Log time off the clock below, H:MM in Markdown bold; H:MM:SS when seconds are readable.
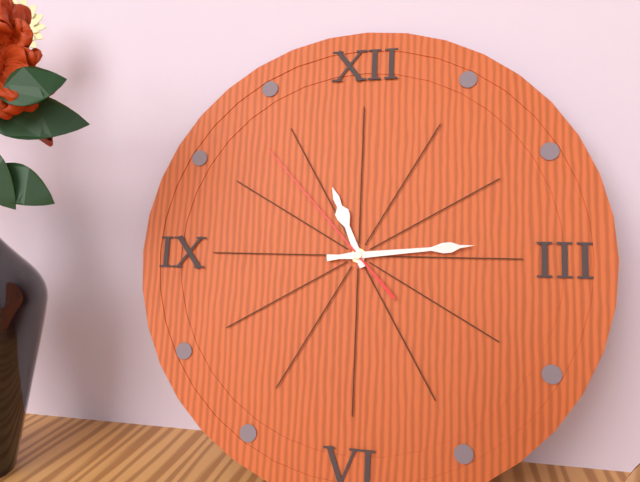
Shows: **11:14:53**
